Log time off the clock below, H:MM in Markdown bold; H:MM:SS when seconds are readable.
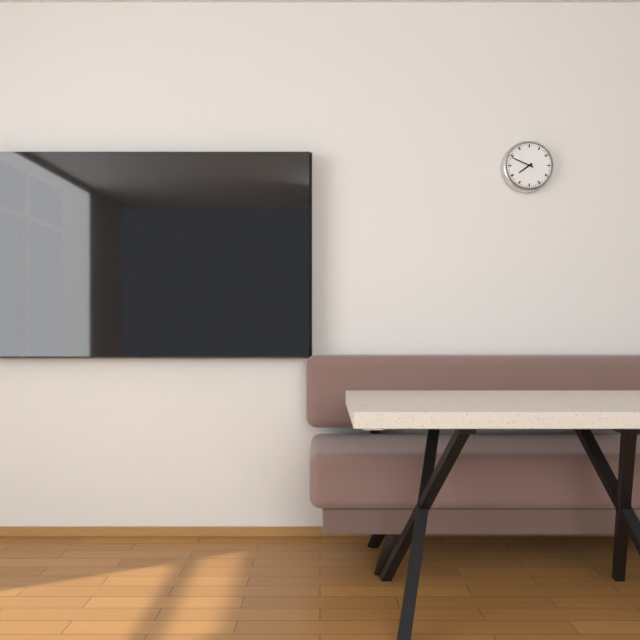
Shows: **7:49**
